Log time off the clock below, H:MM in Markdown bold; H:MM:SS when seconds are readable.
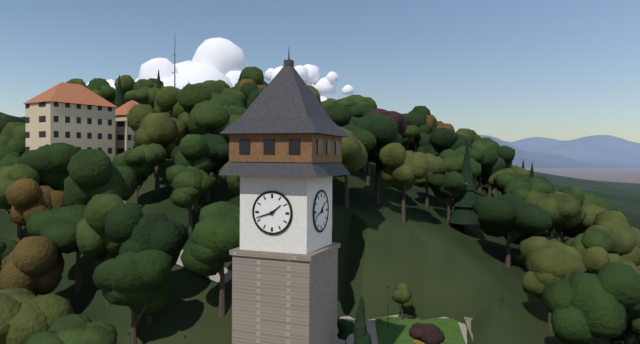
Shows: **1:42**
